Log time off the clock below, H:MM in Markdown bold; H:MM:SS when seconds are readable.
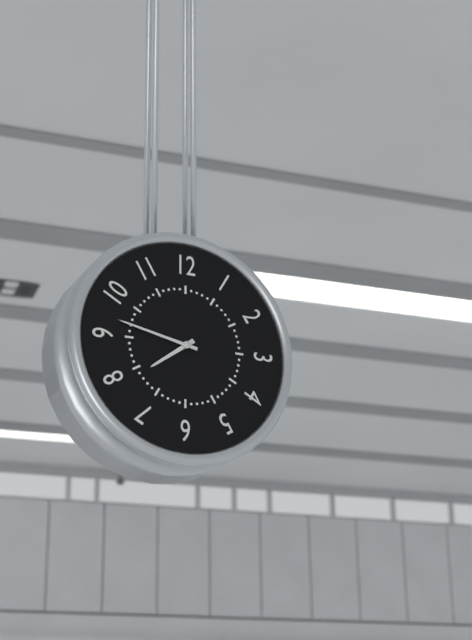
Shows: **7:47**
